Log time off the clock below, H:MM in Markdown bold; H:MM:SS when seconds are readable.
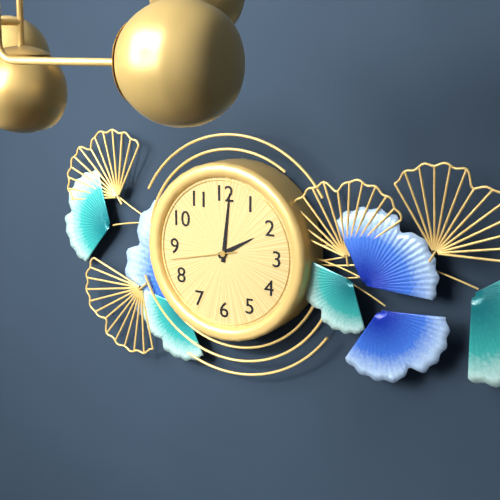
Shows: **2:01:43**
